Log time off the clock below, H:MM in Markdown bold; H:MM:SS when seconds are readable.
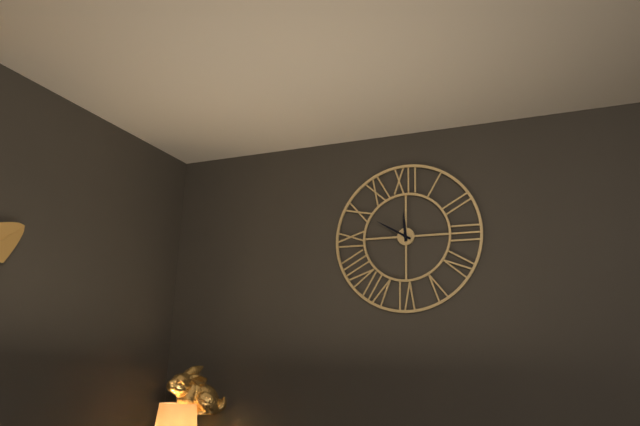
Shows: **11:50**
